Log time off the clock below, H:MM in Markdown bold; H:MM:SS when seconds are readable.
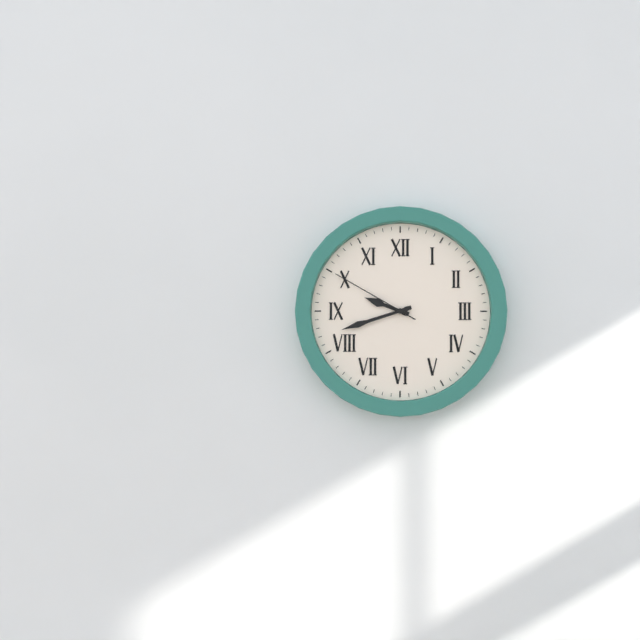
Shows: **9:42:50**
